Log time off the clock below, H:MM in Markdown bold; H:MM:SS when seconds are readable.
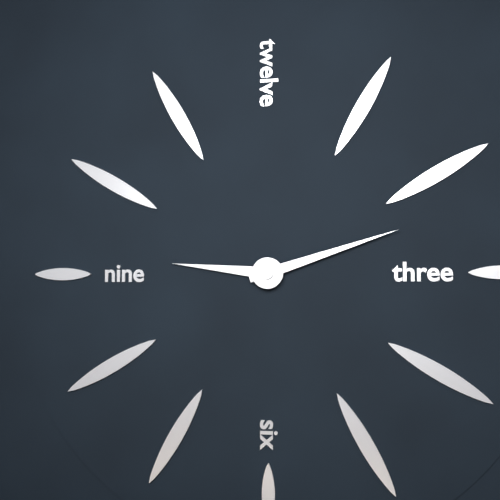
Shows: **9:12**
